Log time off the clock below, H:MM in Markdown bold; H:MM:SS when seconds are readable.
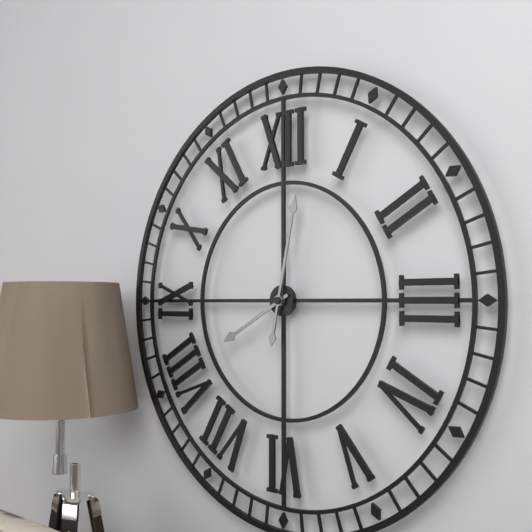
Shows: **8:02**
